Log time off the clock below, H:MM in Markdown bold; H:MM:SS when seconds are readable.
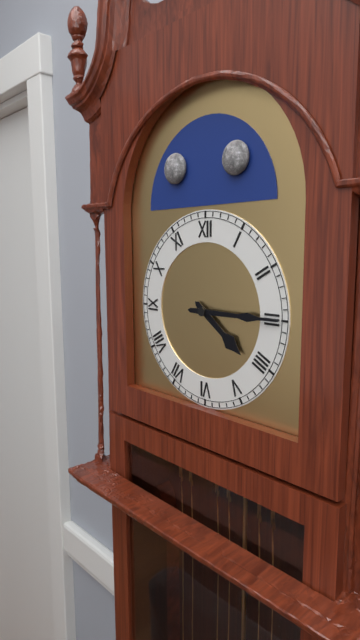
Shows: **4:15**
